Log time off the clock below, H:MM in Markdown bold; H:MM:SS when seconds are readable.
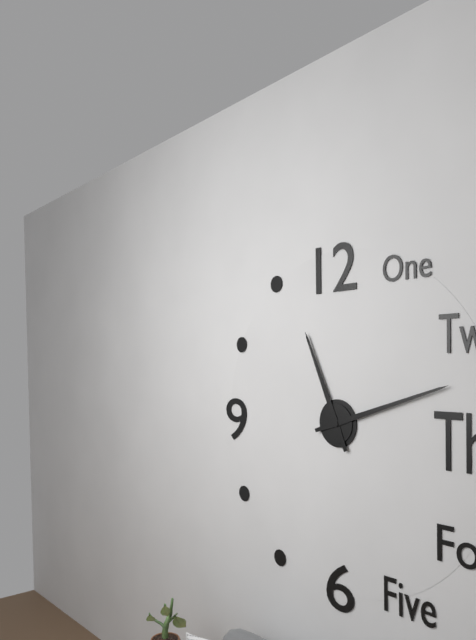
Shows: **11:12**
